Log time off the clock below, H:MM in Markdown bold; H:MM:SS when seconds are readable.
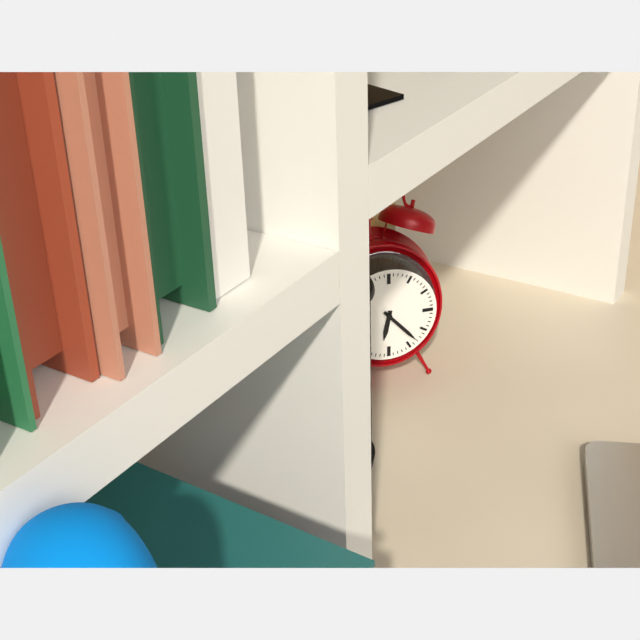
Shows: **6:23**
